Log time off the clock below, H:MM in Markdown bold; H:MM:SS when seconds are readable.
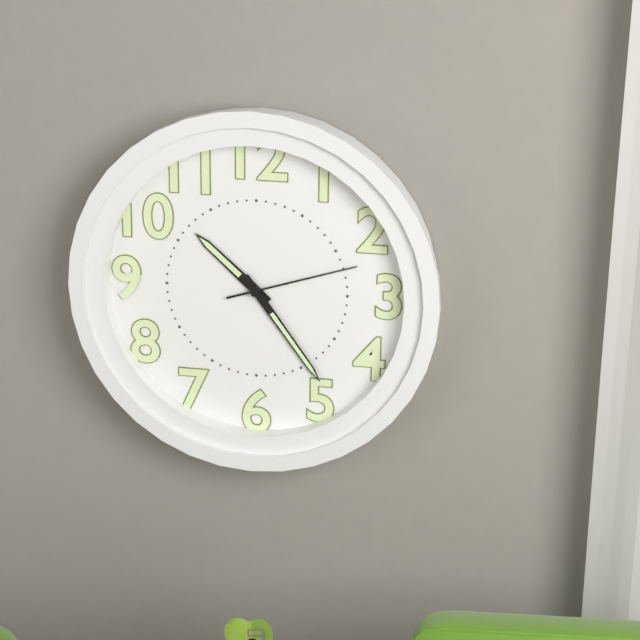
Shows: **10:24:12**
